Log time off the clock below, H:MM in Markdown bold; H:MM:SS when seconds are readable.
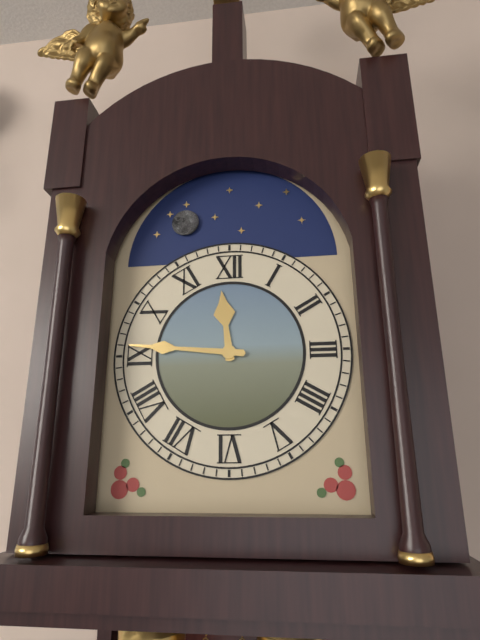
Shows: **11:46**
